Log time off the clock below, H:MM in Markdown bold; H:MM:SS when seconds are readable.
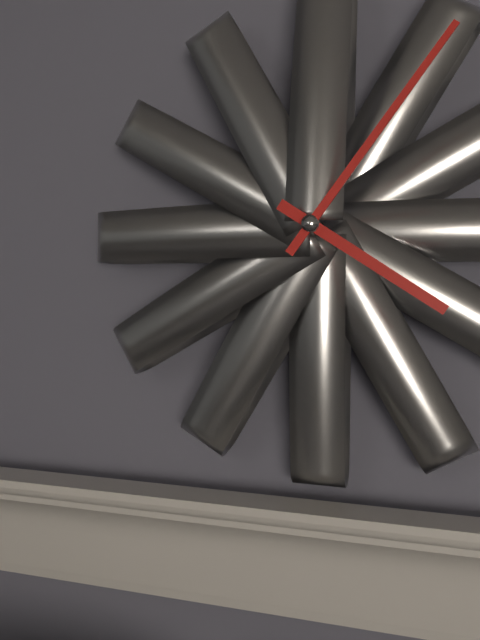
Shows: **4:06**
